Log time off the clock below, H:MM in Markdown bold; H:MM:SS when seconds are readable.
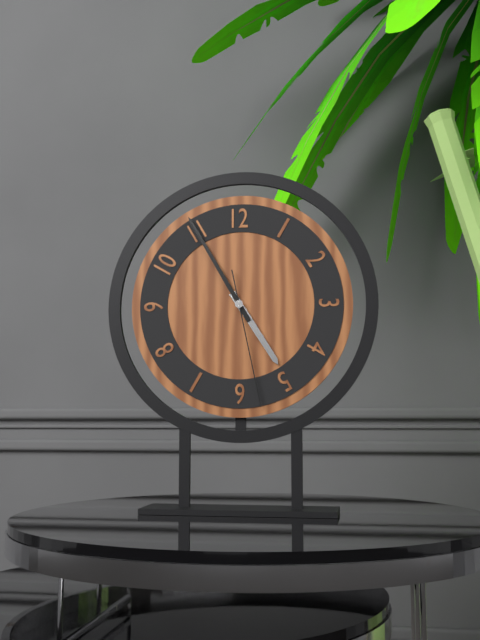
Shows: **4:55:28**
